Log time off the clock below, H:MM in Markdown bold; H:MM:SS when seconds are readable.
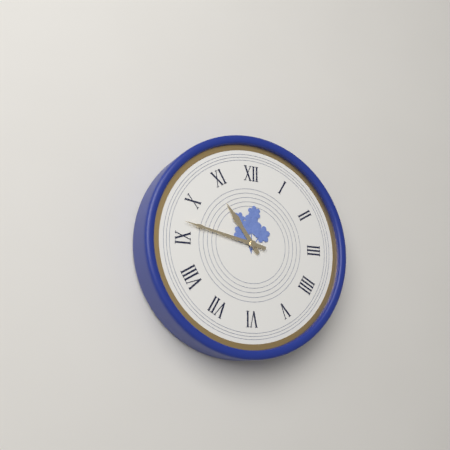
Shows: **10:47**
